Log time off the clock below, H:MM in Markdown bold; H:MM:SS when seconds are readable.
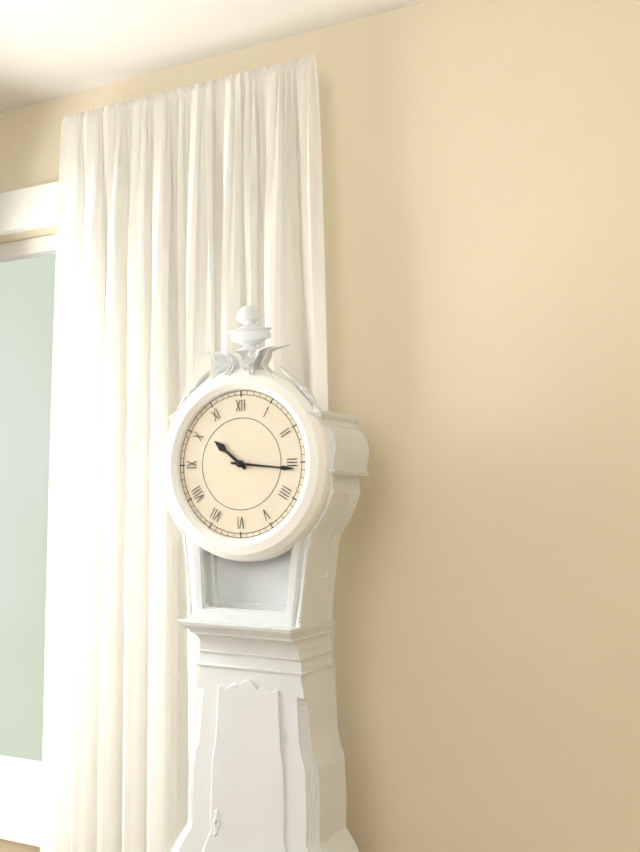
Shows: **10:16**
